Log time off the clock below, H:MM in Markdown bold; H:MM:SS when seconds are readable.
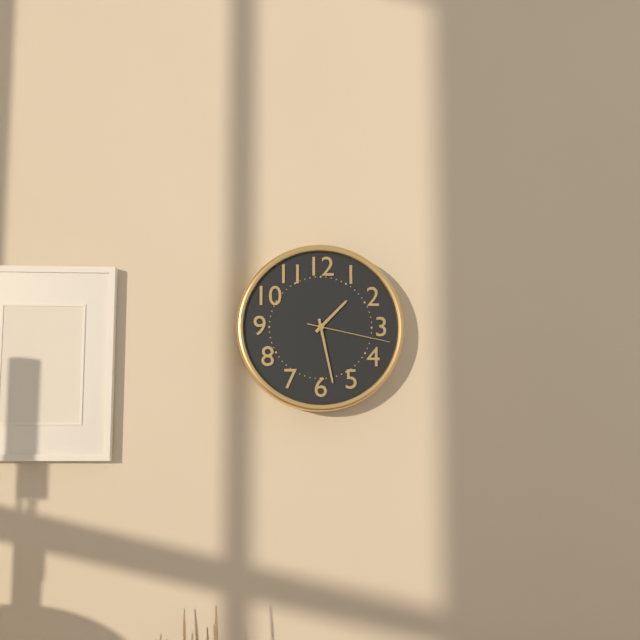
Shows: **1:28:17**
